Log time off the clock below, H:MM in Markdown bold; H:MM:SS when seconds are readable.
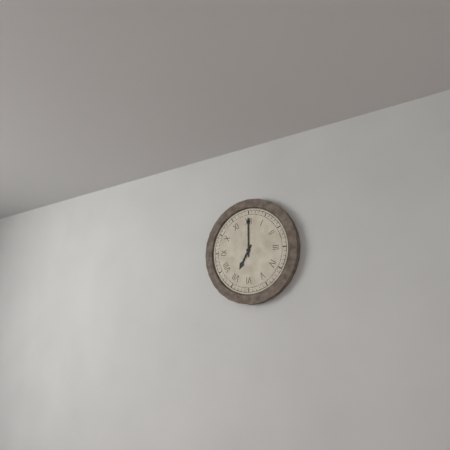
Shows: **7:00**
